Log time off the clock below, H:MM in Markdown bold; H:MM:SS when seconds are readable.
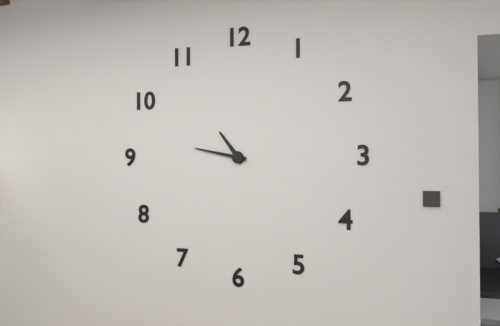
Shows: **10:47**
